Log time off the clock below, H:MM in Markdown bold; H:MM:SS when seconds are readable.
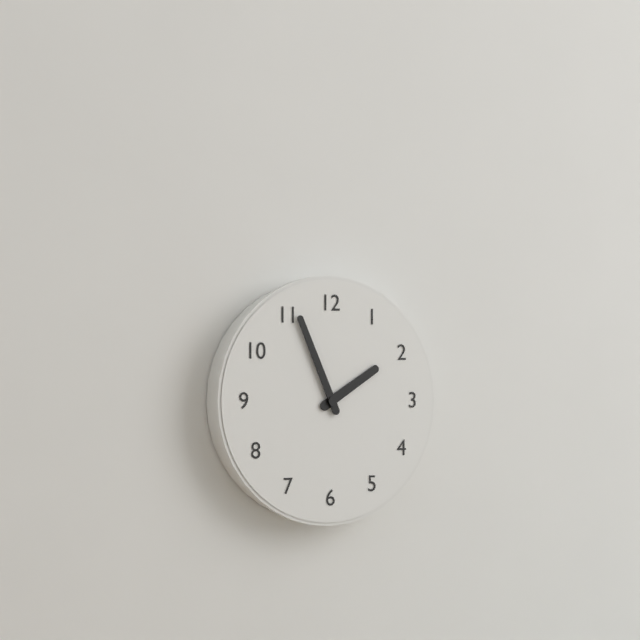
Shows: **1:56**
